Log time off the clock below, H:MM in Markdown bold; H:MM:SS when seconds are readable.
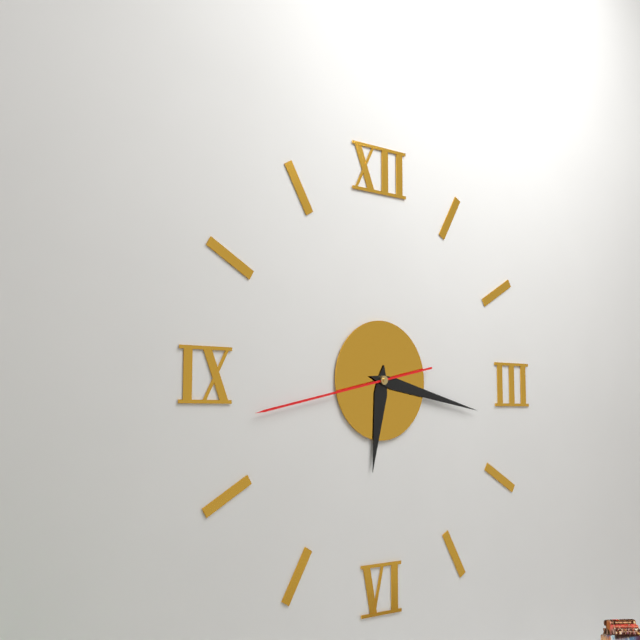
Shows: **6:17:43**
